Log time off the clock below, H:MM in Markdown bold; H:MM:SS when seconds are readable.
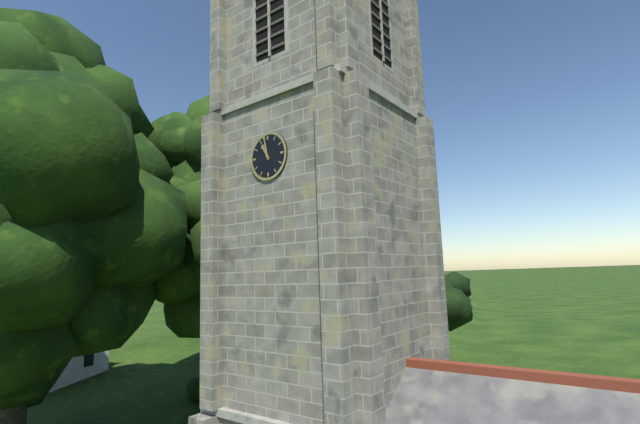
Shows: **10:58**
